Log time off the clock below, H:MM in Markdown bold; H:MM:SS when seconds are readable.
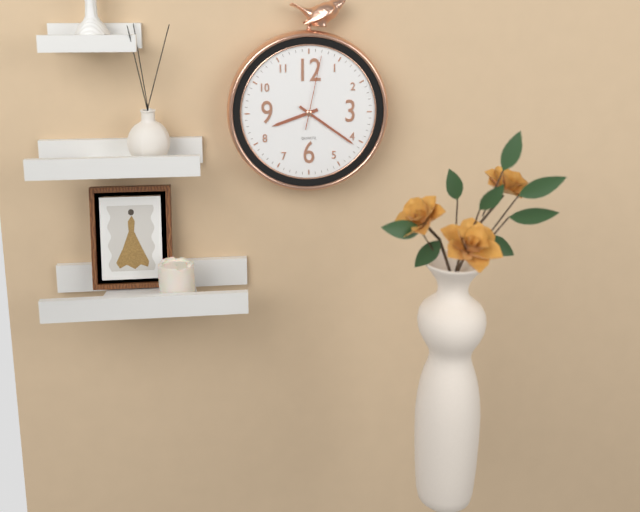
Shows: **8:21:02**
